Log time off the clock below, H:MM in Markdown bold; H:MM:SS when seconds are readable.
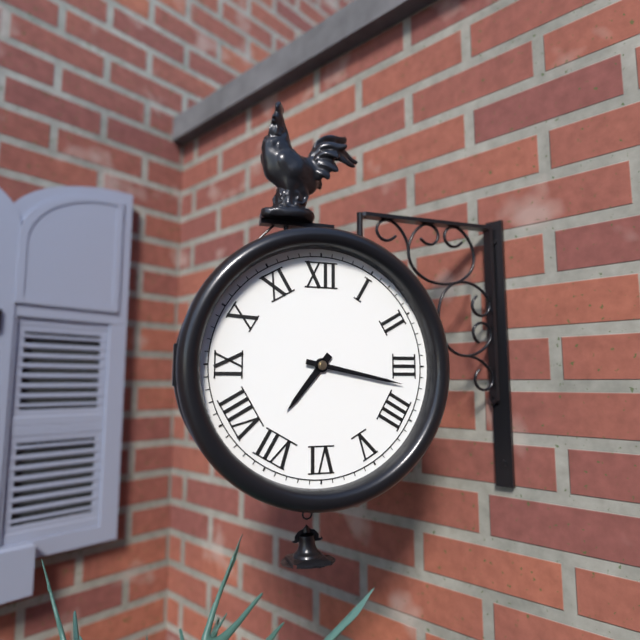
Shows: **7:17**
